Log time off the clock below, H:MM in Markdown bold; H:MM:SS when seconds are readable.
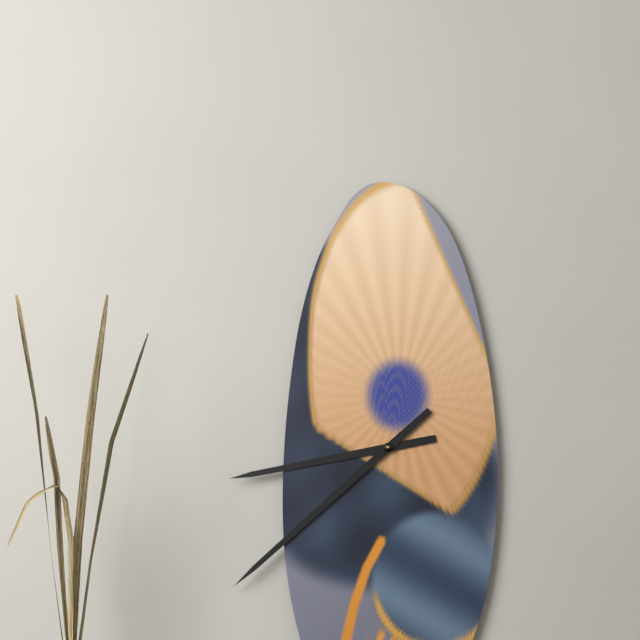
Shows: **8:38**
